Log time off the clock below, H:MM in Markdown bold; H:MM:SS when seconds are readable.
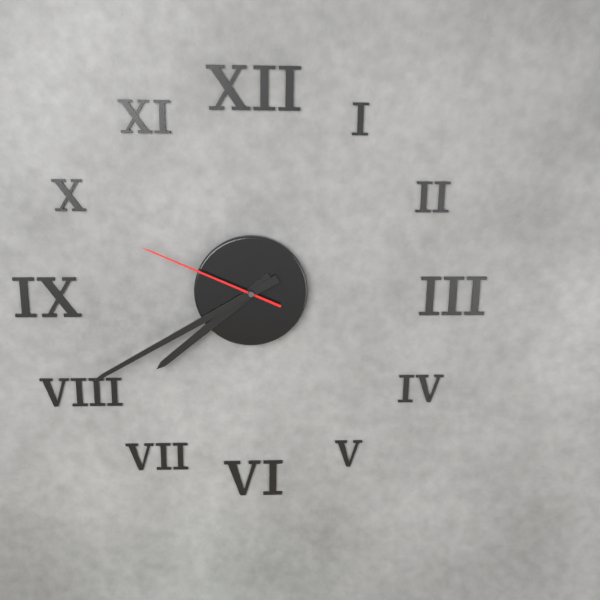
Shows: **7:40:49**
